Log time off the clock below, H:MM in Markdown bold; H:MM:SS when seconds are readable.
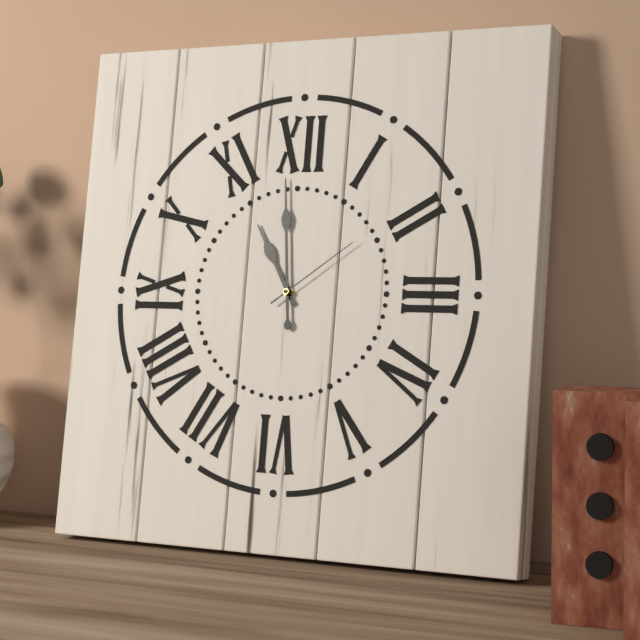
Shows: **10:59:09**
